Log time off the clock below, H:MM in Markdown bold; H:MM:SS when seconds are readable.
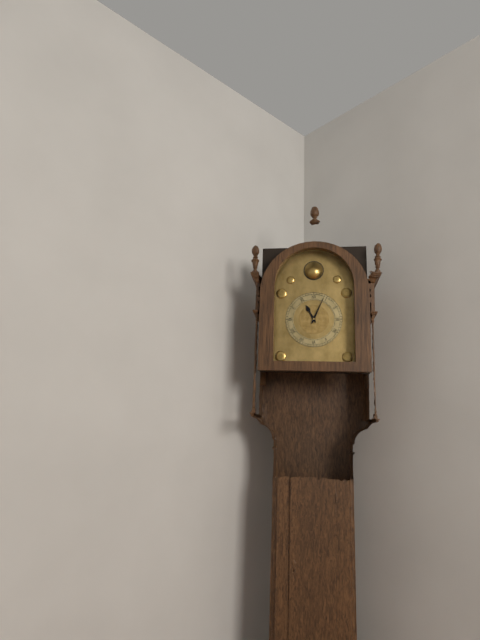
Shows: **11:04**
